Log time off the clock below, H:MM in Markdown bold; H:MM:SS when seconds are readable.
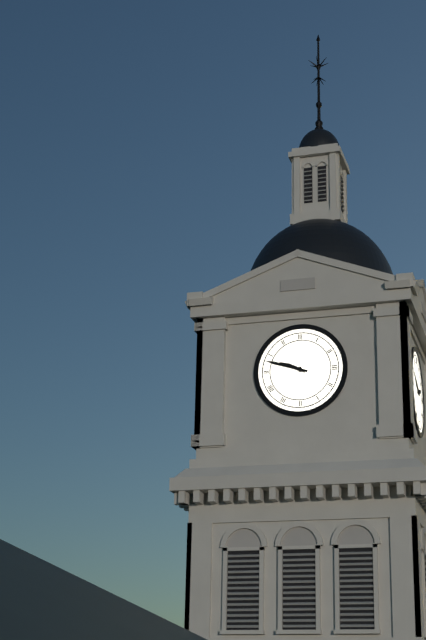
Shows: **9:48**
